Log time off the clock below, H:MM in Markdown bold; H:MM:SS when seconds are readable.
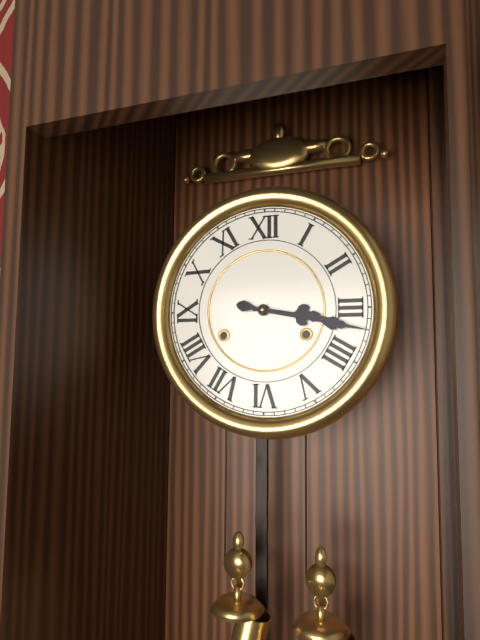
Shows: **3:17**
